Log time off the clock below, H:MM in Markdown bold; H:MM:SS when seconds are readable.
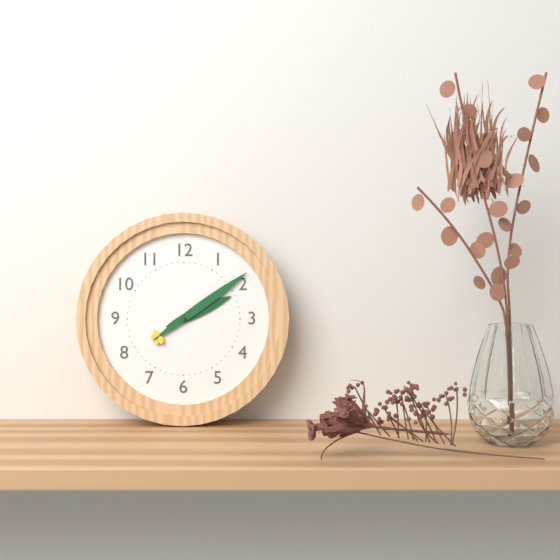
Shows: **2:09**
